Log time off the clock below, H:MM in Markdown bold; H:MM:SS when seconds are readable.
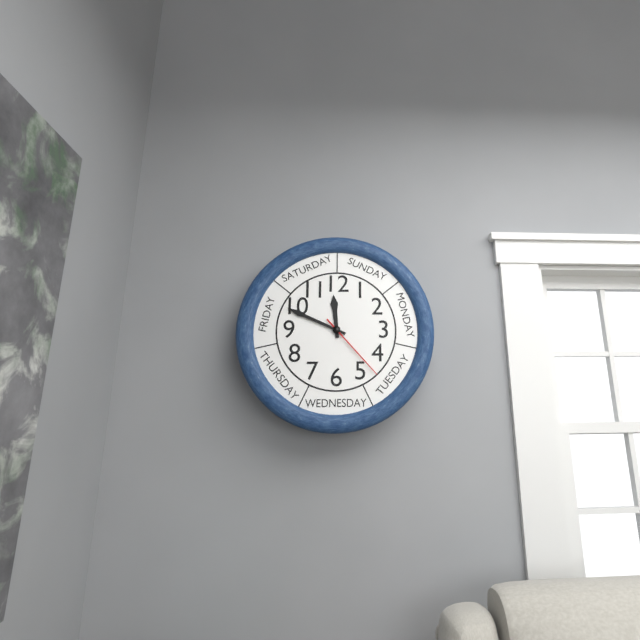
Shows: **11:49:23**
